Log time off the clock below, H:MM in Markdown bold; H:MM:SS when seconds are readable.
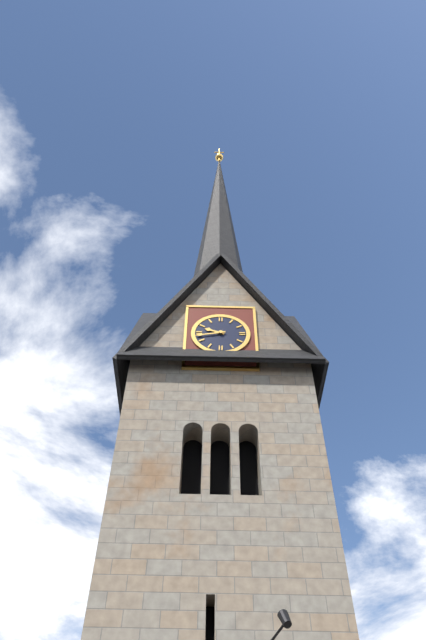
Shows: **9:43**
